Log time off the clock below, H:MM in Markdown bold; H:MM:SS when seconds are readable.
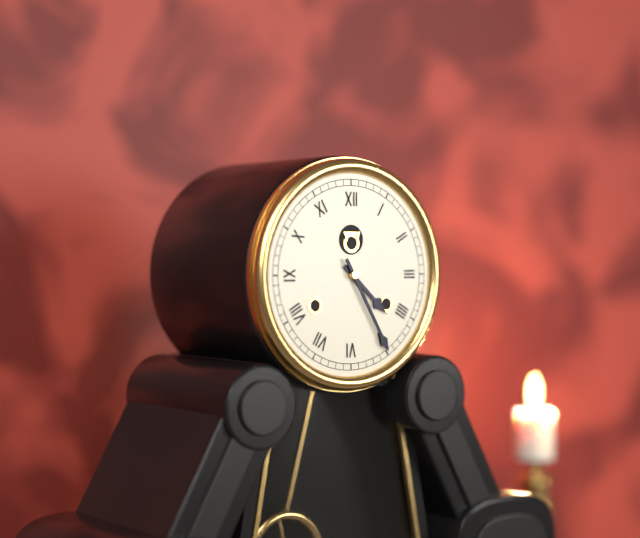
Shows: **4:25**
